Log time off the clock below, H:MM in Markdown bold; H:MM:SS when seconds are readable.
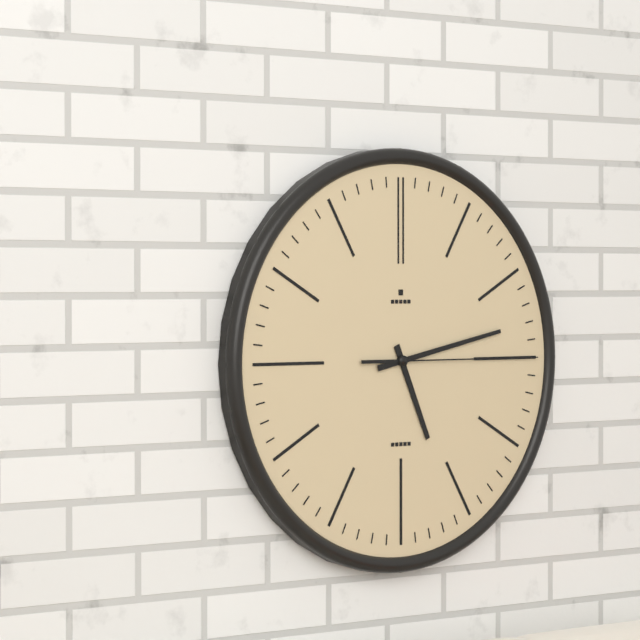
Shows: **5:13:15**
